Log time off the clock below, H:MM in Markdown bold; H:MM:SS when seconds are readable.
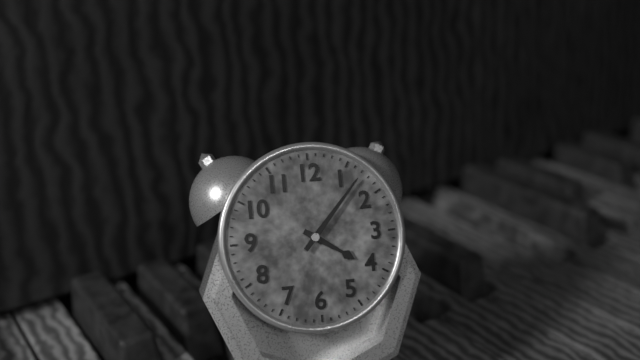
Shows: **4:07**
